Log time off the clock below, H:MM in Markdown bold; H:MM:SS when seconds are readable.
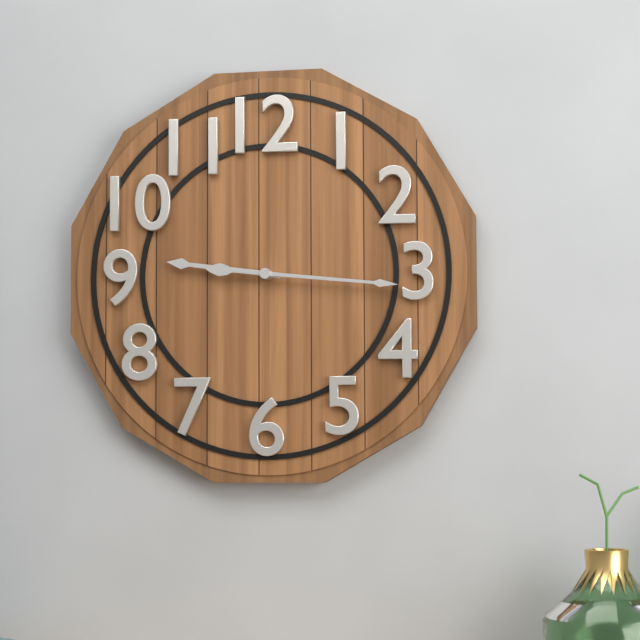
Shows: **9:16**
